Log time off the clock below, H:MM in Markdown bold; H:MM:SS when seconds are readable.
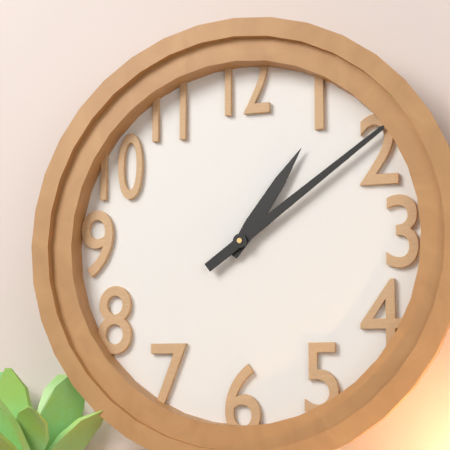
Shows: **1:09**
